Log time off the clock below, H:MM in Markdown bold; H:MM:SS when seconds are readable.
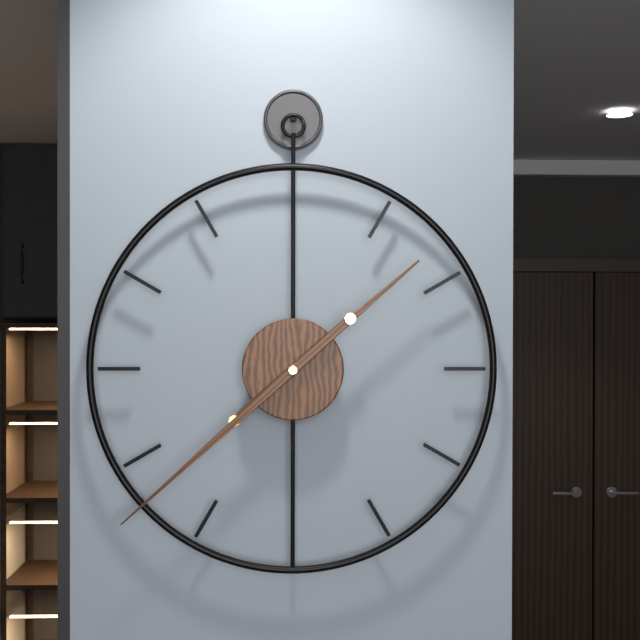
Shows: **1:38**
